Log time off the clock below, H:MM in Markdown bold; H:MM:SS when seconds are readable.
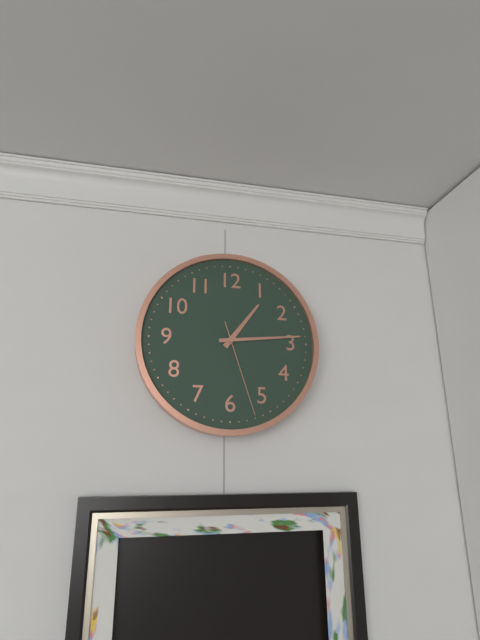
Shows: **1:14:27**
